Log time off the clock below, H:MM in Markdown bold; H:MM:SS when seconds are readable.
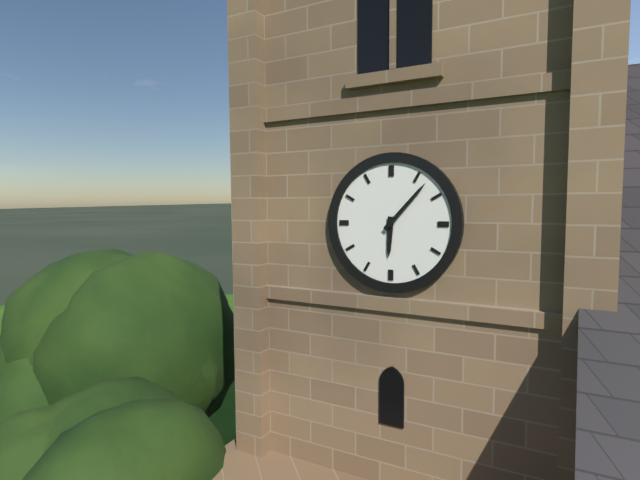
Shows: **6:07**
